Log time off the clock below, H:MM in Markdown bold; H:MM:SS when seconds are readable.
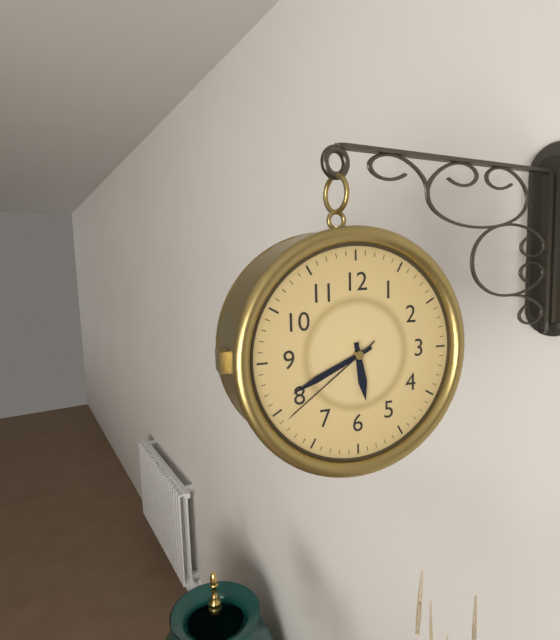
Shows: **5:41:39**
